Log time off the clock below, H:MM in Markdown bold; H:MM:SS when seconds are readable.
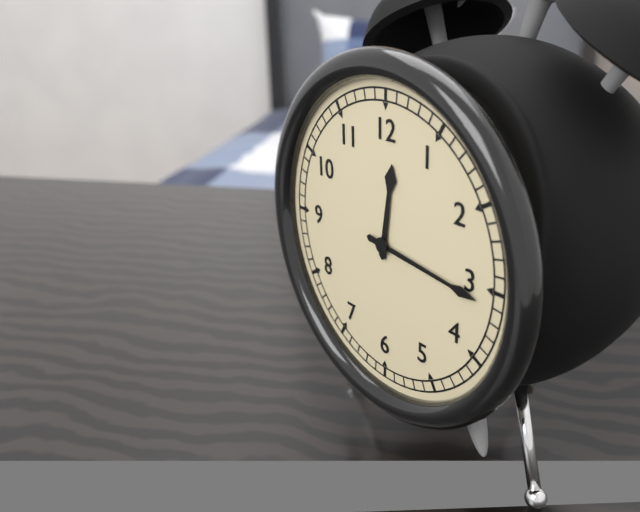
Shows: **12:16**
